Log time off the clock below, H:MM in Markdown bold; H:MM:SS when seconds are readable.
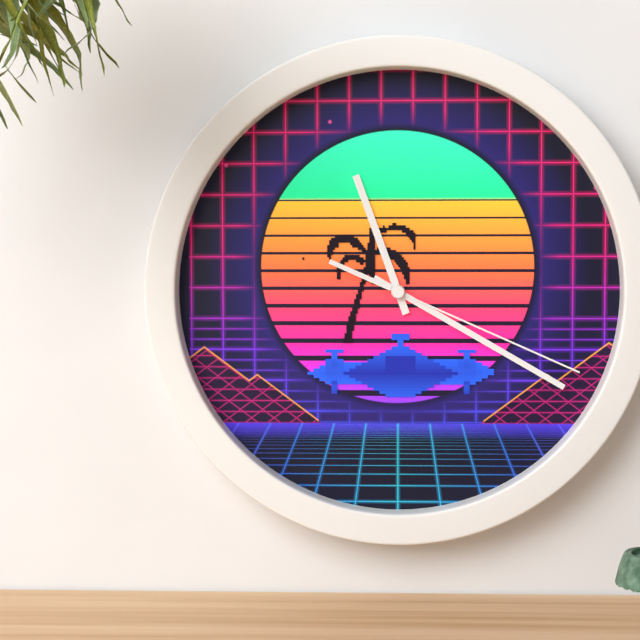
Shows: **11:20:19**
